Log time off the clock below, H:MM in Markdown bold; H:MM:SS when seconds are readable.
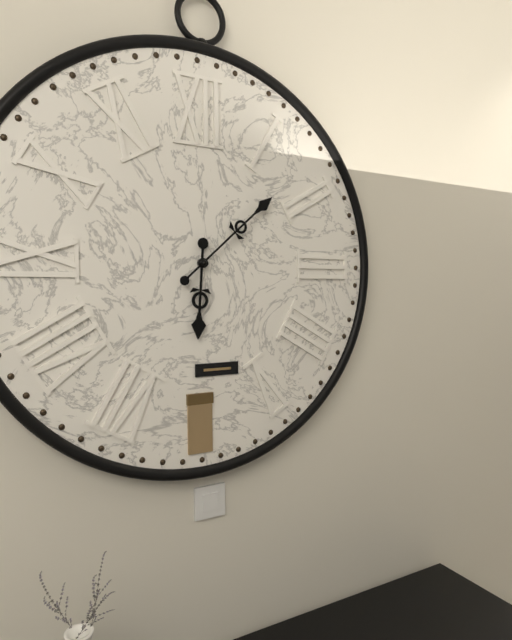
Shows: **6:08**
